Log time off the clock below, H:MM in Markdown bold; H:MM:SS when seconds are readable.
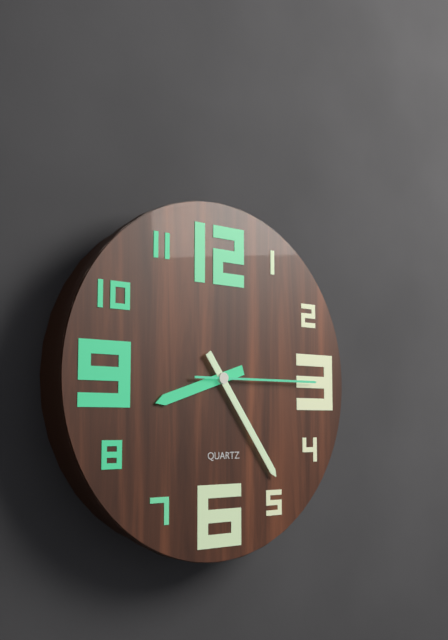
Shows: **8:24:15**
